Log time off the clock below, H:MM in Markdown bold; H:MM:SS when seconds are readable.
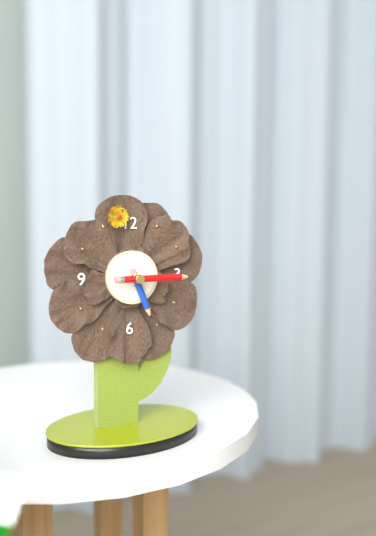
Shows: **5:15**
